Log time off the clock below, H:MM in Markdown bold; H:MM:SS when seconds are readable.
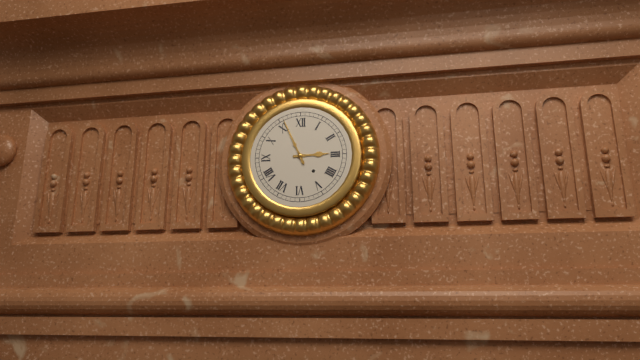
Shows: **2:56**
